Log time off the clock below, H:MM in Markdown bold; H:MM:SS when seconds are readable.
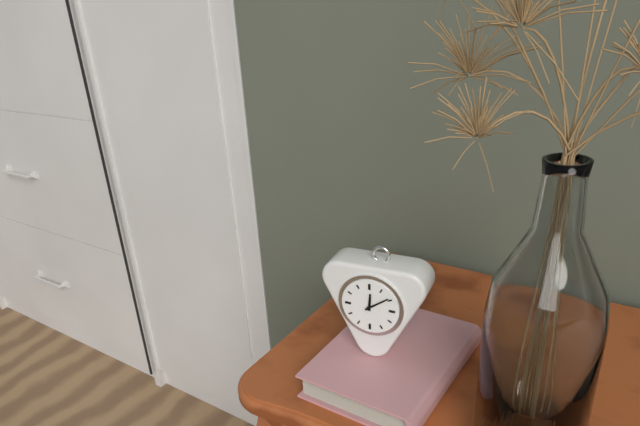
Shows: **12:09**
